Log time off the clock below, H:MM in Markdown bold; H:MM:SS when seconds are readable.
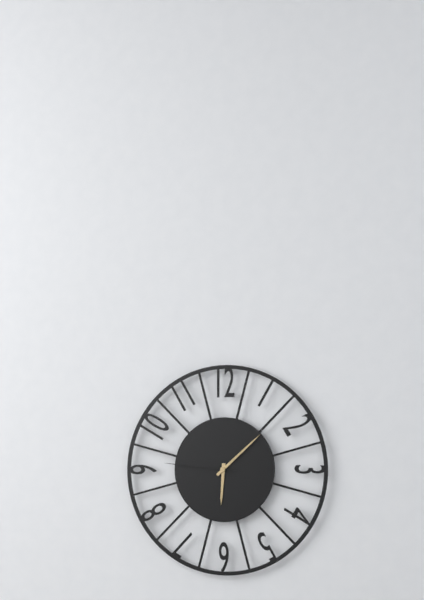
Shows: **6:08:46**
